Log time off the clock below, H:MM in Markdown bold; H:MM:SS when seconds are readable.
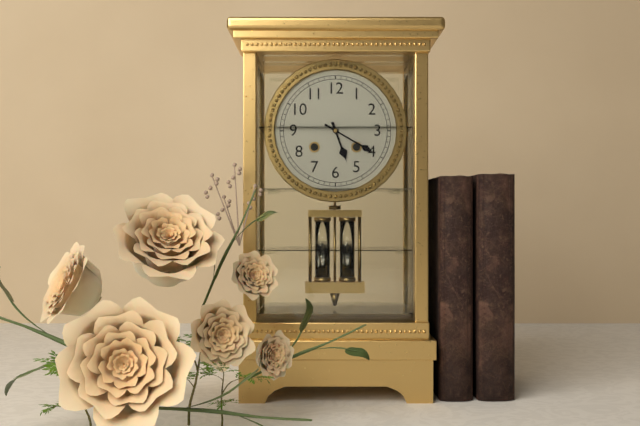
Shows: **5:20**
